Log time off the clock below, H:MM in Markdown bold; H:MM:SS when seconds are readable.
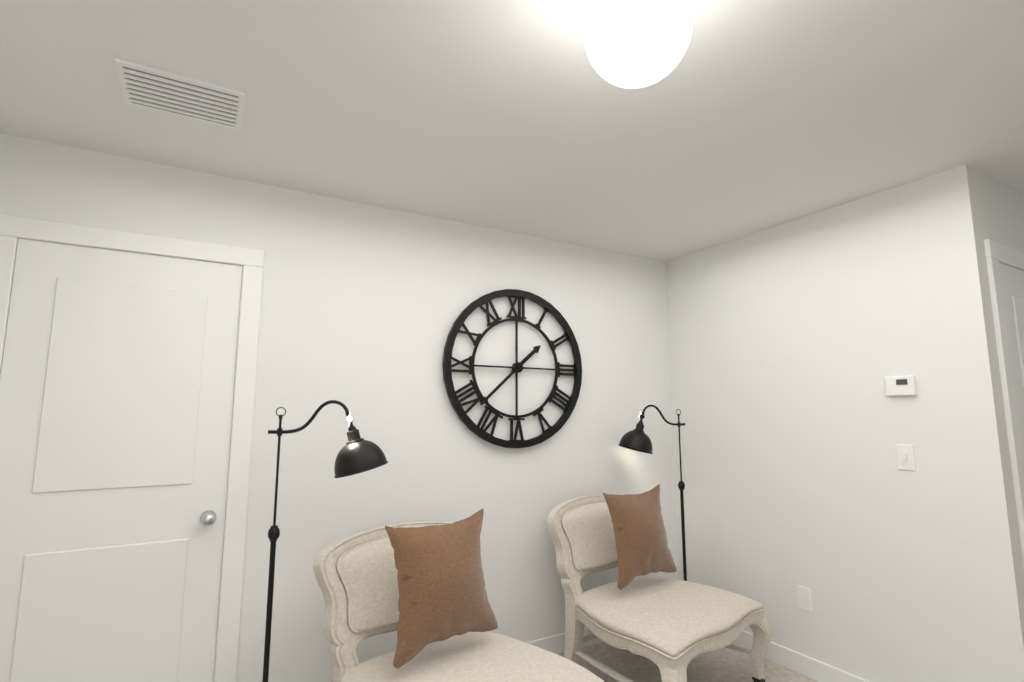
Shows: **1:38**
